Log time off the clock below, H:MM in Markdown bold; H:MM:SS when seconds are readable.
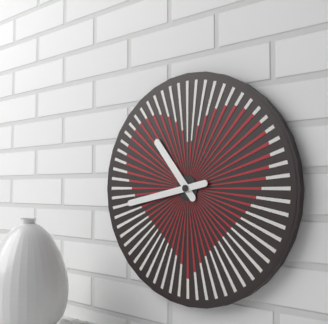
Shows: **10:43**
